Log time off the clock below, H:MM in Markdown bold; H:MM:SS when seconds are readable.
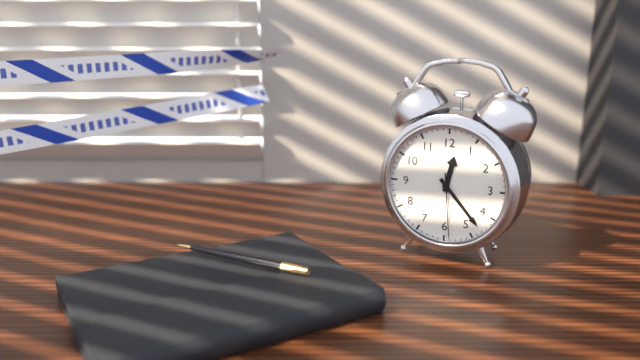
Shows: **12:23:29**
